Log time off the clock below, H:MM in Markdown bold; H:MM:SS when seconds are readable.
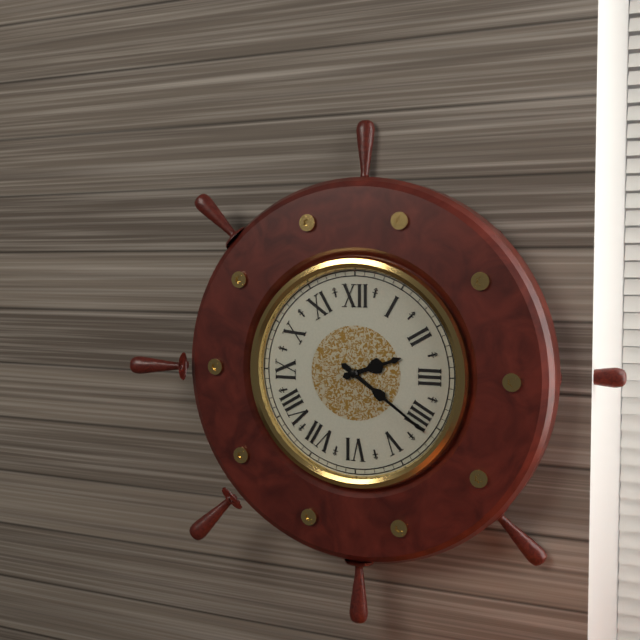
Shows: **2:21**
